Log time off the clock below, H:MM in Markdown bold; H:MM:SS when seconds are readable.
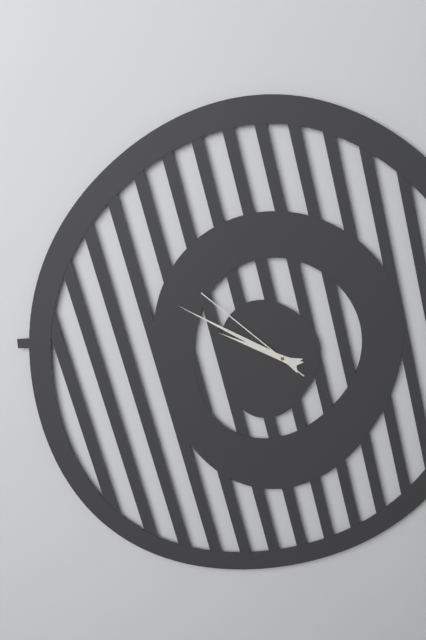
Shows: **9:50:52**
